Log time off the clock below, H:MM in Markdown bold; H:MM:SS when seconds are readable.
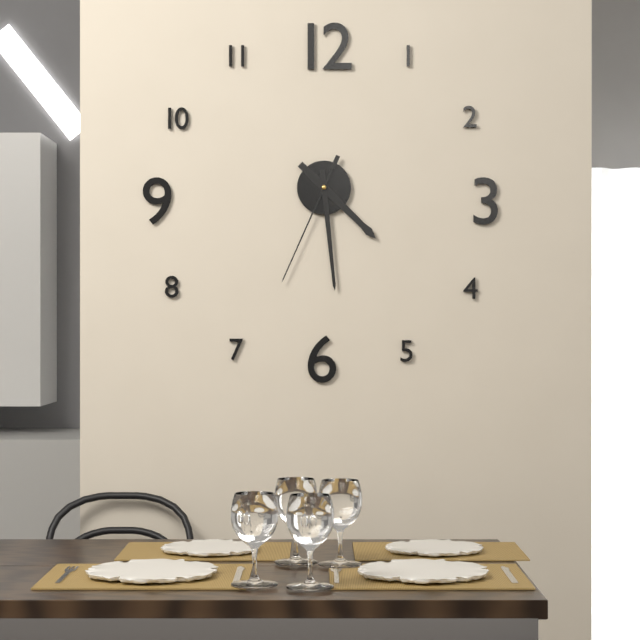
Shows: **4:29:34**
